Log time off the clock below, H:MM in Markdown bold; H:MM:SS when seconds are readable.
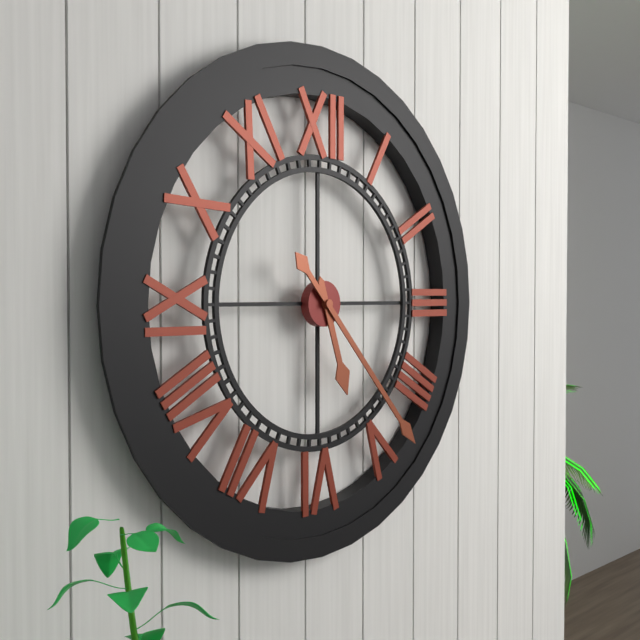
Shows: **5:23**
